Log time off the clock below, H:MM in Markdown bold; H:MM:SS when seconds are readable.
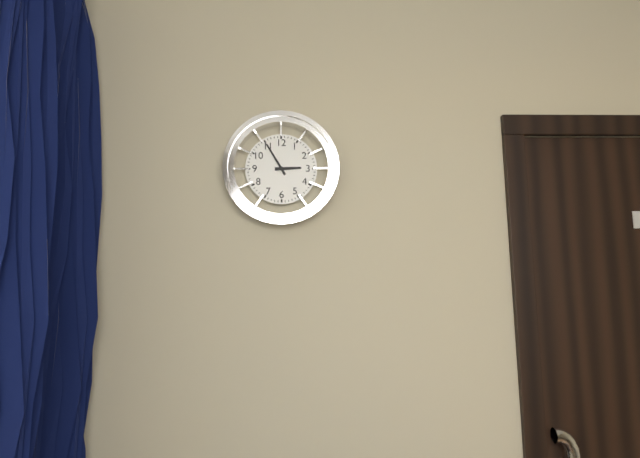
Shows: **2:55**
